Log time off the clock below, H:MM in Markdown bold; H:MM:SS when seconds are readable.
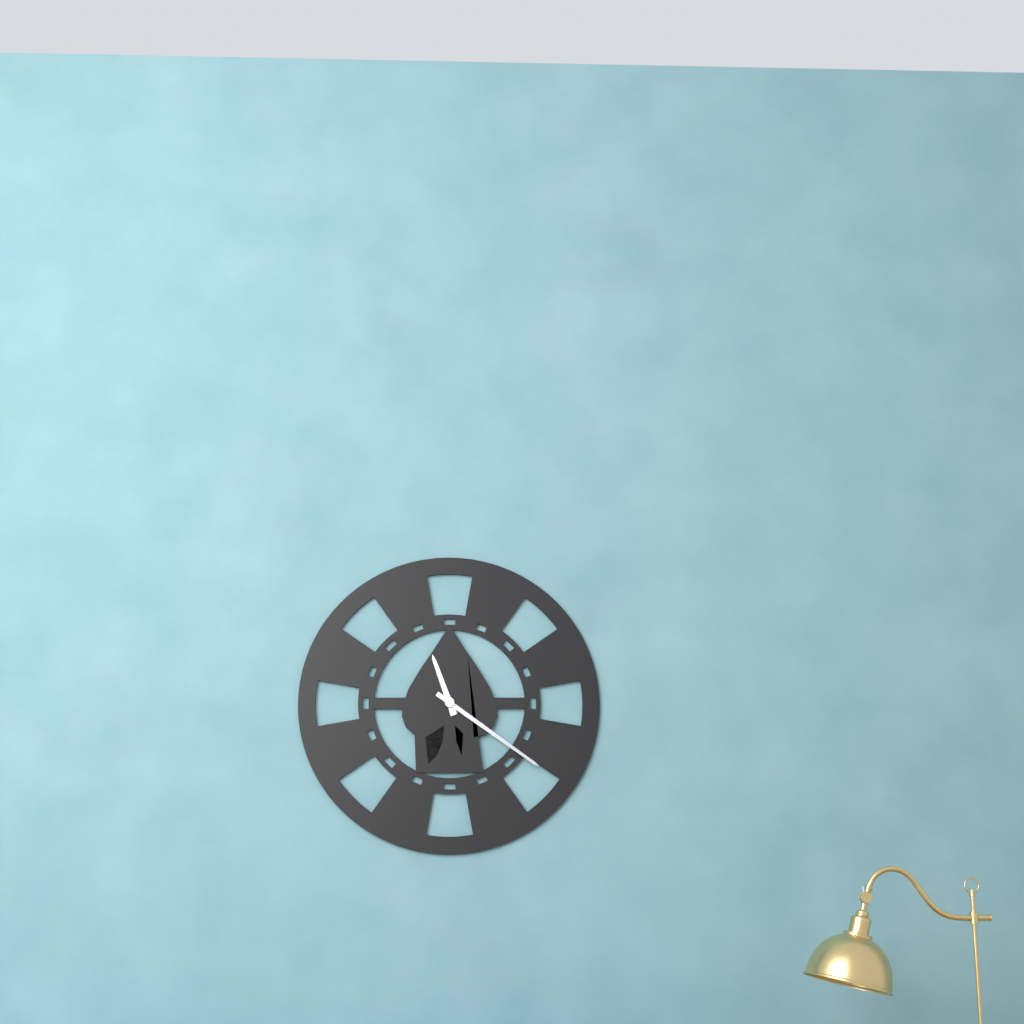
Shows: **11:21**
